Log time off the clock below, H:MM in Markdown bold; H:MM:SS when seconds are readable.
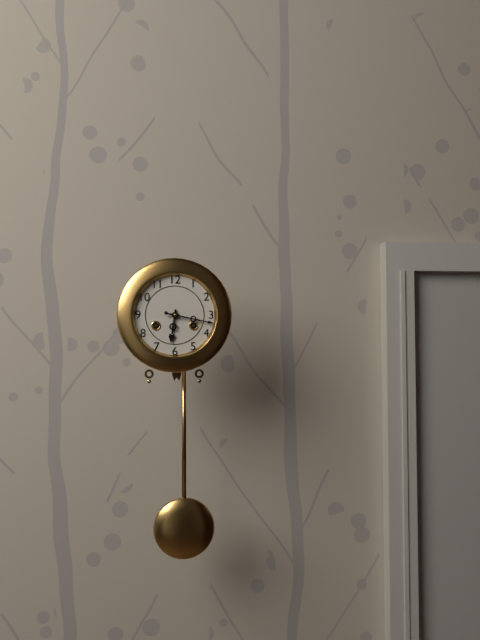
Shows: **6:17**
